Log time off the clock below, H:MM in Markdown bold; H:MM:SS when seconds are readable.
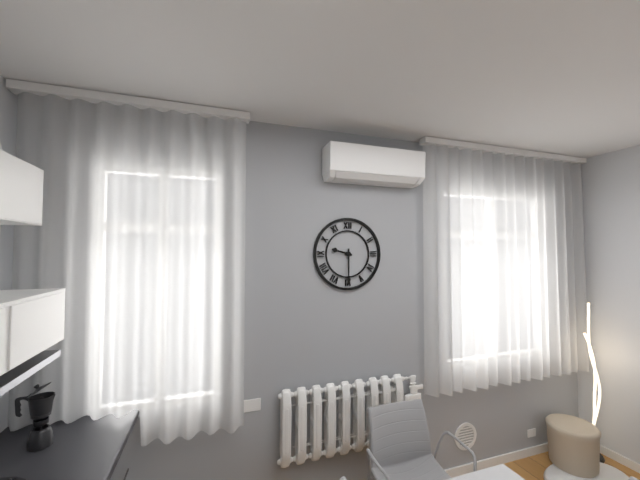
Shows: **9:30**
